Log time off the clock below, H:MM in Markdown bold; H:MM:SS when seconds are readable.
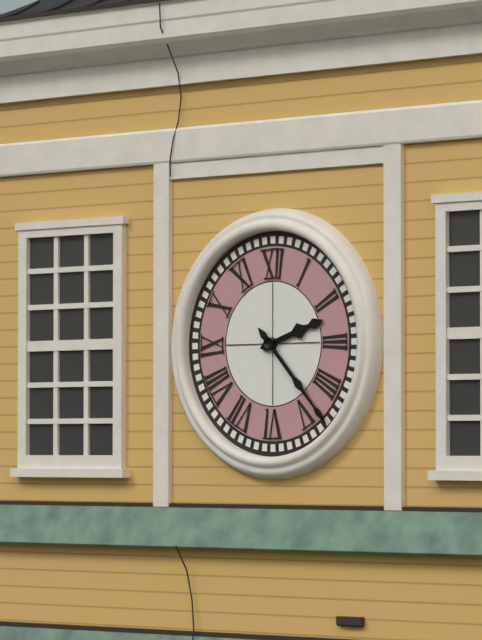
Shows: **2:23**
